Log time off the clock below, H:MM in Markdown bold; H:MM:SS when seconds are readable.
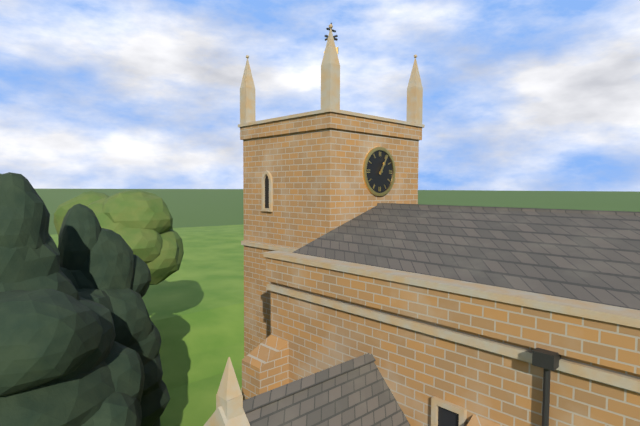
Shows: **1:05**
